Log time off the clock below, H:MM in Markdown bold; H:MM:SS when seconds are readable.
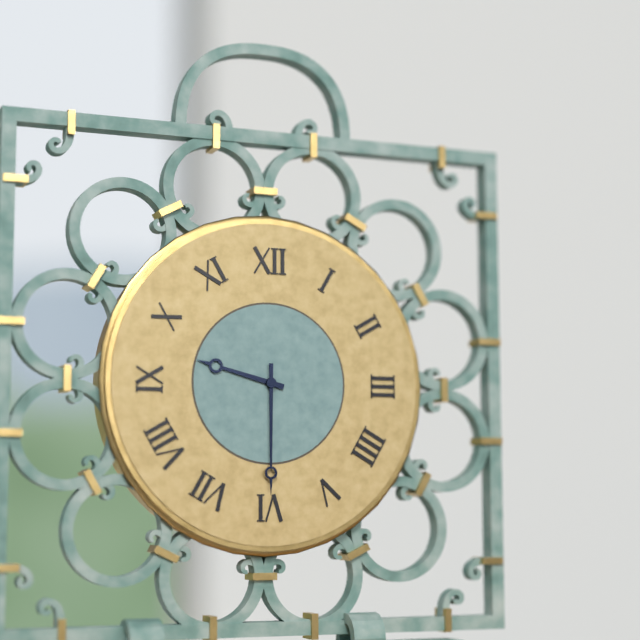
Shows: **9:30**
